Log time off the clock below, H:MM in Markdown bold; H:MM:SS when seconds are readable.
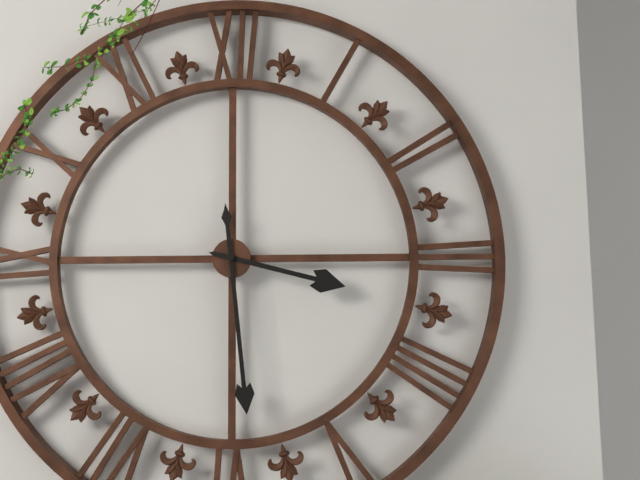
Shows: **3:29**
